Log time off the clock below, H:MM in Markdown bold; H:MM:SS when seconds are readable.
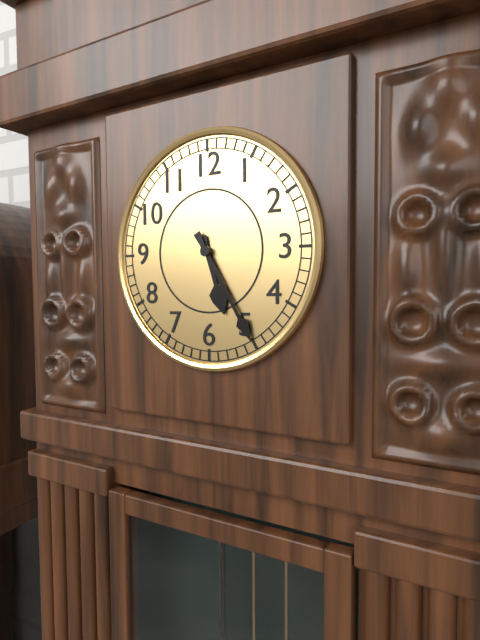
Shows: **5:25**
